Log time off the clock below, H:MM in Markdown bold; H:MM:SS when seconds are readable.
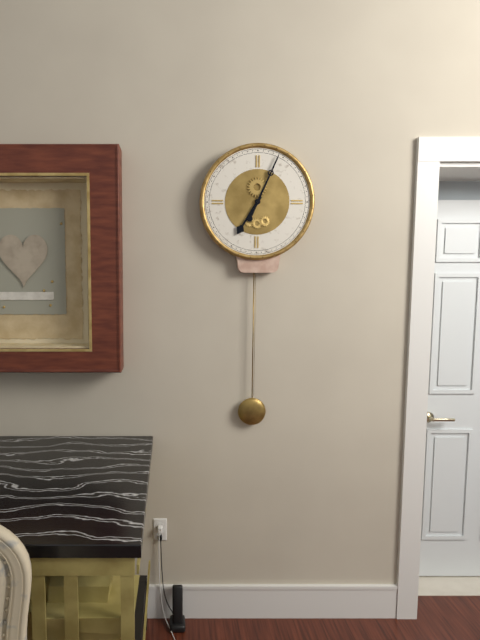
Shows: **7:04**
